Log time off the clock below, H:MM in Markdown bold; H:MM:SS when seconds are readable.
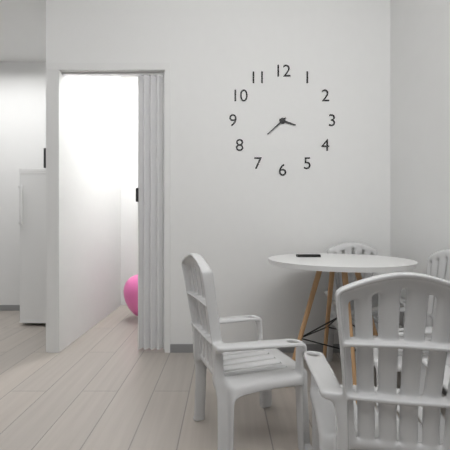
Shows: **3:38**
